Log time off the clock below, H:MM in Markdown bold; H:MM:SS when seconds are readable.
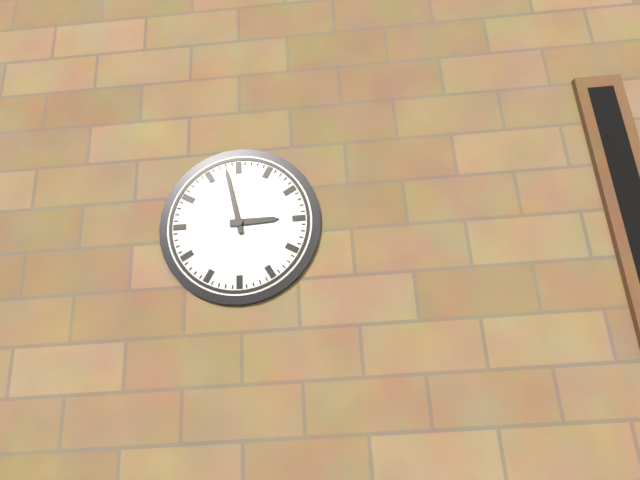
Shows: **2:58**
